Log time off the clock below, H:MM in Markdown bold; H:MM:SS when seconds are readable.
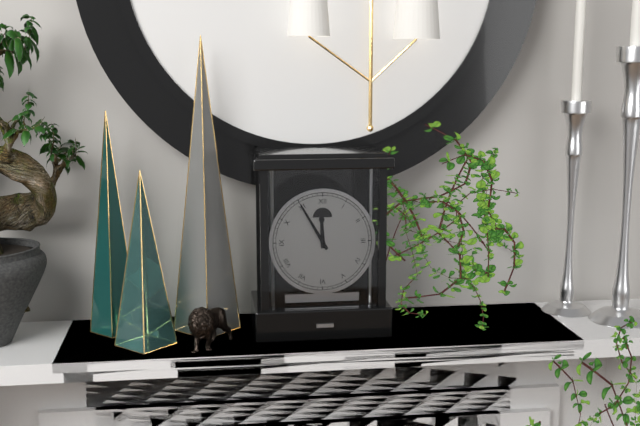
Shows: **11:55**
